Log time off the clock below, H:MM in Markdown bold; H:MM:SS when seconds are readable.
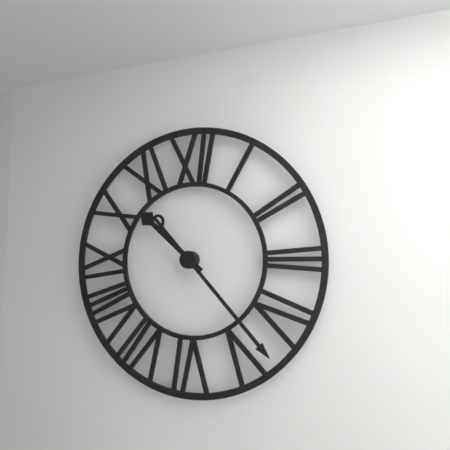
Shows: **10:23**
